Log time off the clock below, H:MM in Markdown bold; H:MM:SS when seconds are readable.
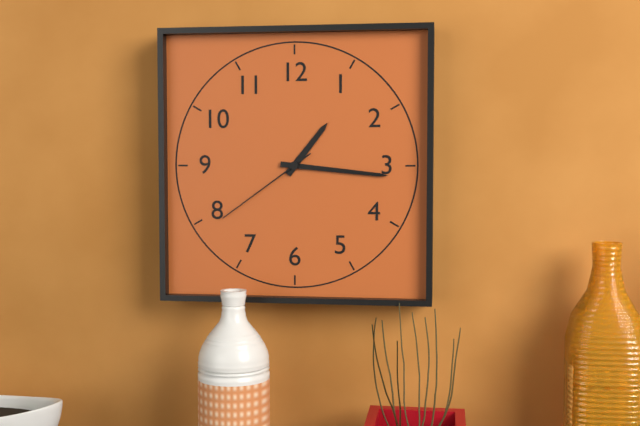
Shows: **1:16:39**
